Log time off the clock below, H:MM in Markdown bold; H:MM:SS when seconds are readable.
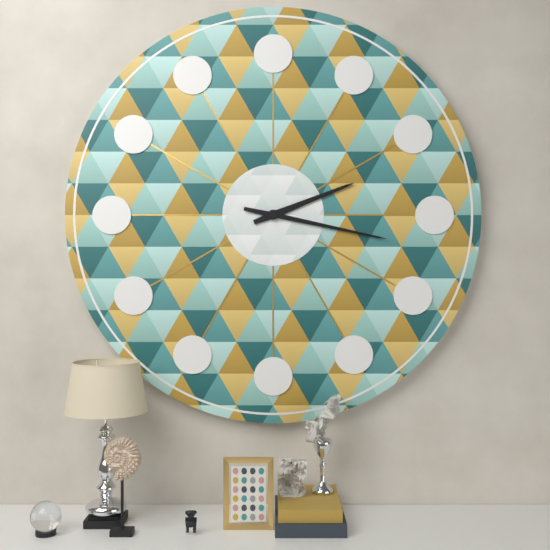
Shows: **2:17**
